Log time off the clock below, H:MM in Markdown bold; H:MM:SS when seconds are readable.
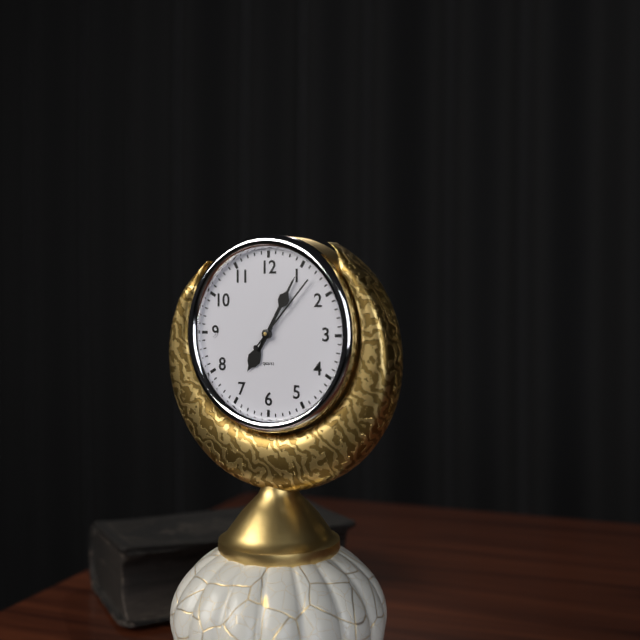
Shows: **7:05:07**
